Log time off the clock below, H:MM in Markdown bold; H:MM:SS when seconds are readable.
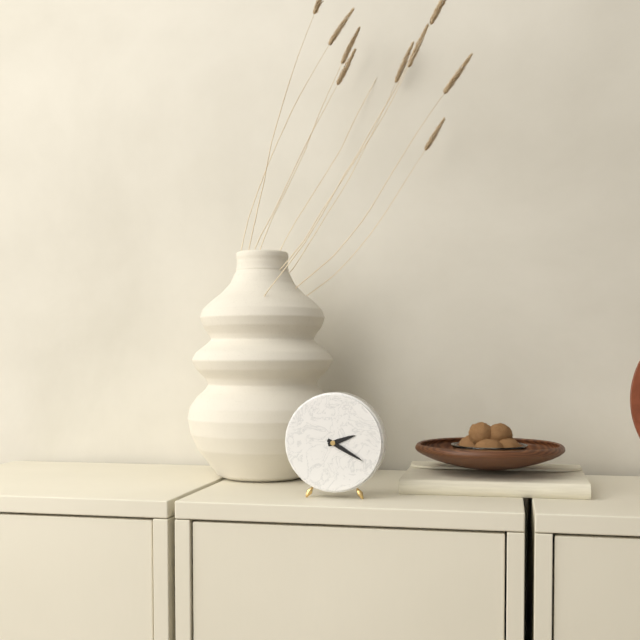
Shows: **2:20**
